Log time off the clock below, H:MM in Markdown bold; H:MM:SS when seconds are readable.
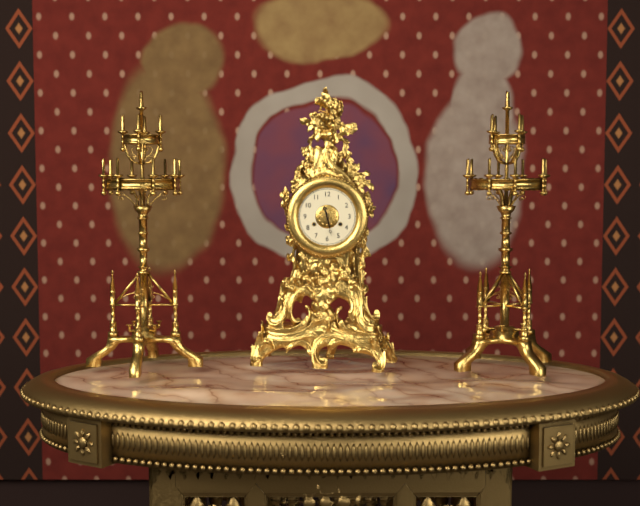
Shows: **11:28**
